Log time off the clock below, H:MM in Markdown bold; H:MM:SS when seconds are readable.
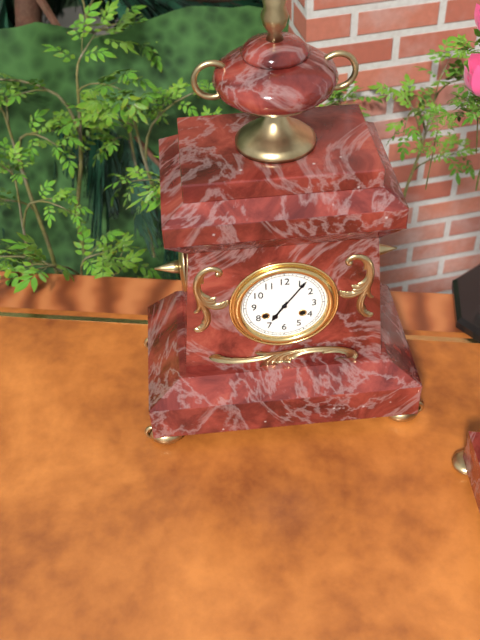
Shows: **7:06**
